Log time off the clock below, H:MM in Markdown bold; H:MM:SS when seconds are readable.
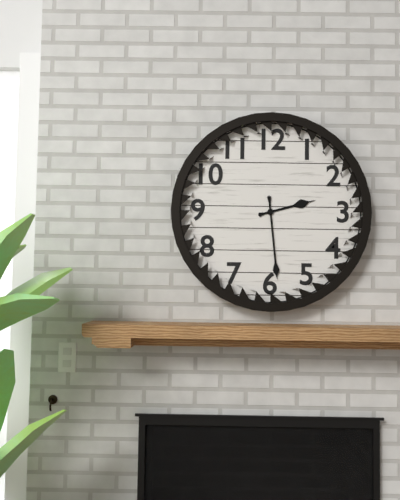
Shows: **2:29**
